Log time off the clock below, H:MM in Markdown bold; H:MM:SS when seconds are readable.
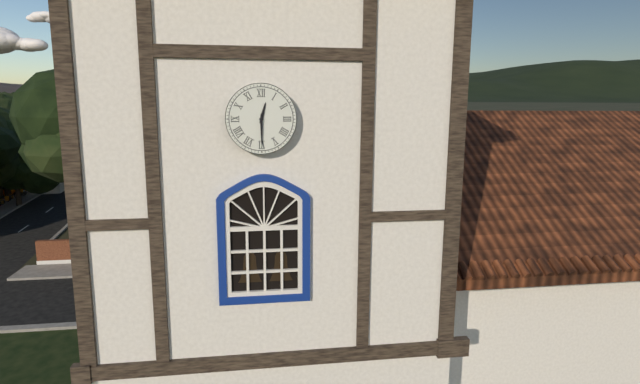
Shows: **12:30**
